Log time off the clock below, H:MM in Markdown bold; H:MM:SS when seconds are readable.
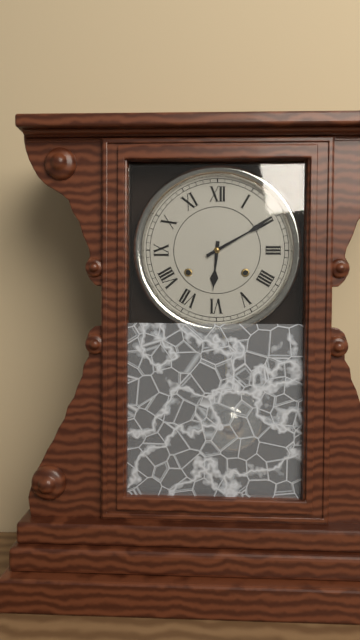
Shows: **6:10**
